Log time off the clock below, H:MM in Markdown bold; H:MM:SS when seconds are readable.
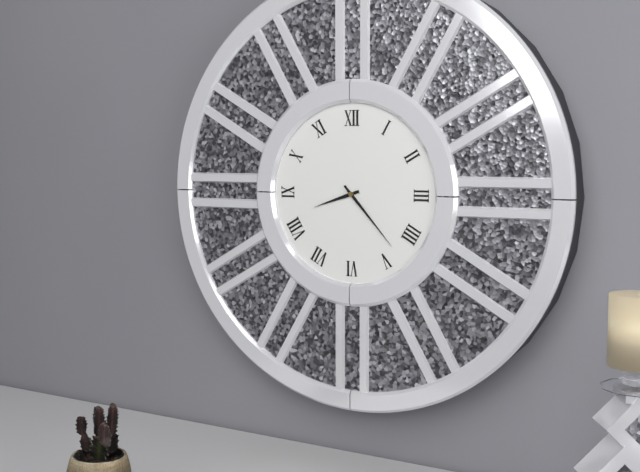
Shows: **8:23**
